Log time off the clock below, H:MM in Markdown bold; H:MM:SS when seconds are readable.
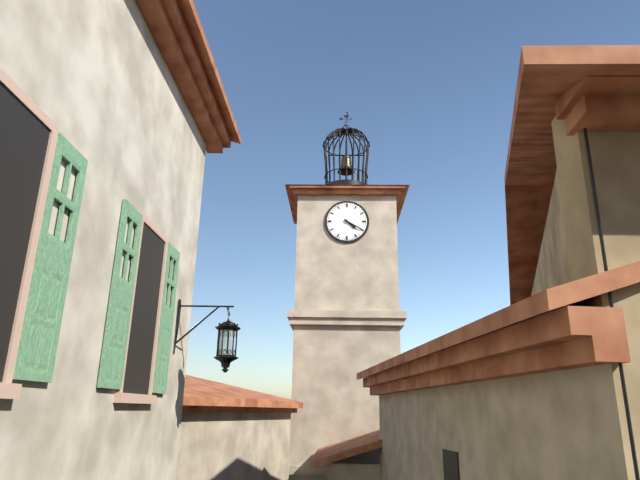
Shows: **4:20**
